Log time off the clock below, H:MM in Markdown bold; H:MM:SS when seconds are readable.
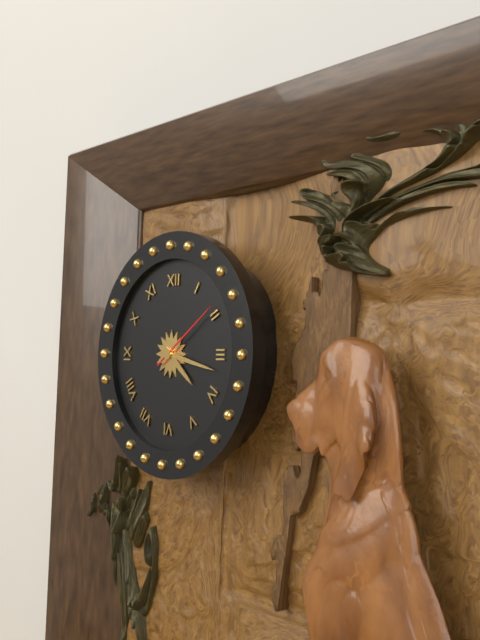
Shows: **4:17:09**
